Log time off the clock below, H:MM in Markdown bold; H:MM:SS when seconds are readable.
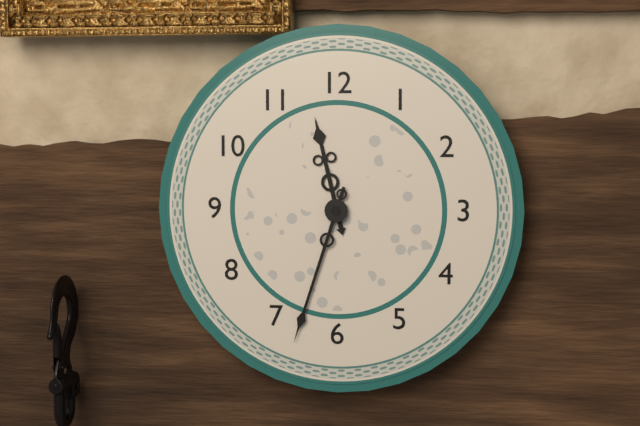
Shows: **11:33**
